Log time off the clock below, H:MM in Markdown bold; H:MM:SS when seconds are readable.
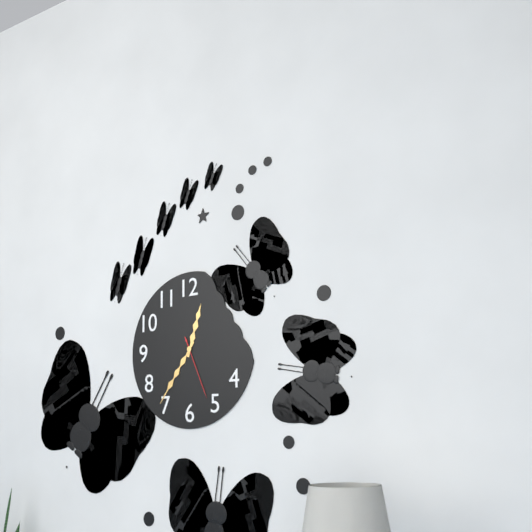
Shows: **12:36:26**
